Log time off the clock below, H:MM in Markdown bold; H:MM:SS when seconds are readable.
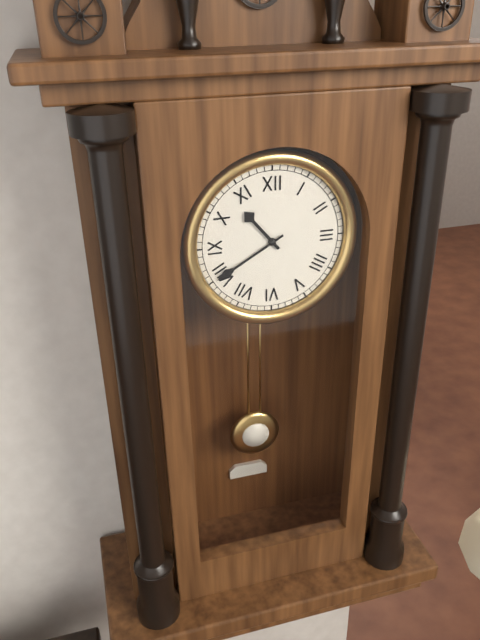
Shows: **10:40**
